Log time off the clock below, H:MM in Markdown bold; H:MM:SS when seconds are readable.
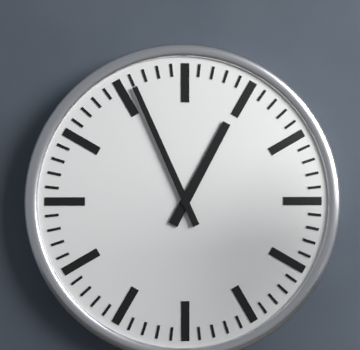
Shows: **12:56**
